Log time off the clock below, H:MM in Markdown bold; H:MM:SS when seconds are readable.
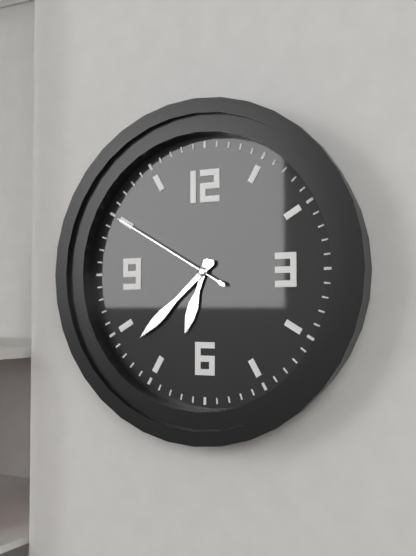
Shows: **6:38:50**
